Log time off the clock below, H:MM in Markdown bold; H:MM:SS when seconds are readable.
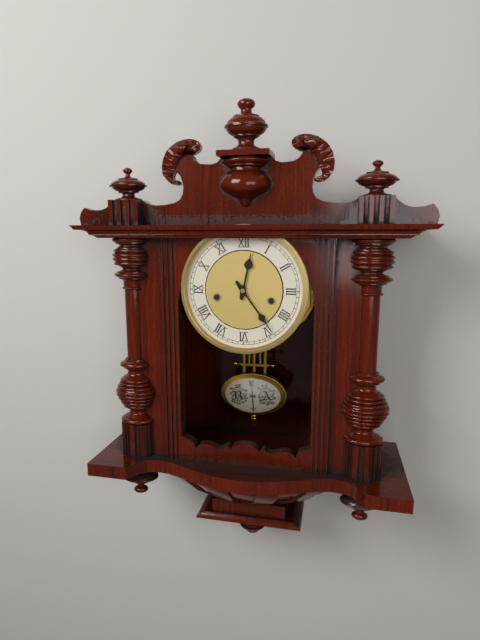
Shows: **12:24**
